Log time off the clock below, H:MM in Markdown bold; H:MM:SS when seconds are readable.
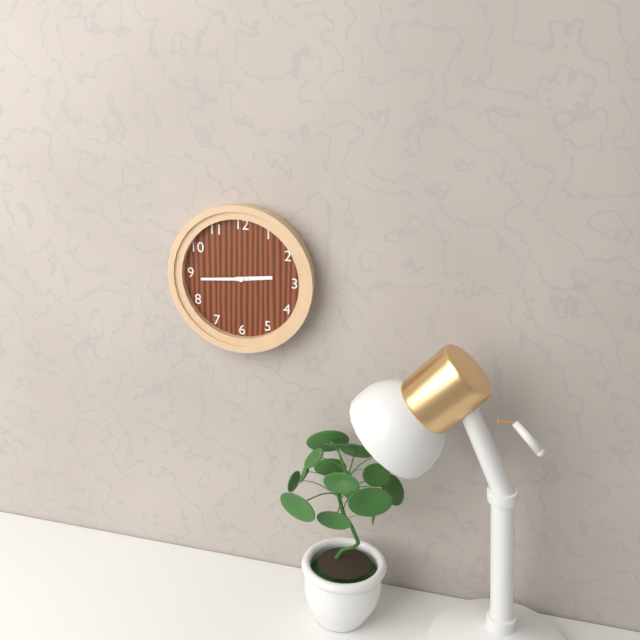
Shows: **2:44**
